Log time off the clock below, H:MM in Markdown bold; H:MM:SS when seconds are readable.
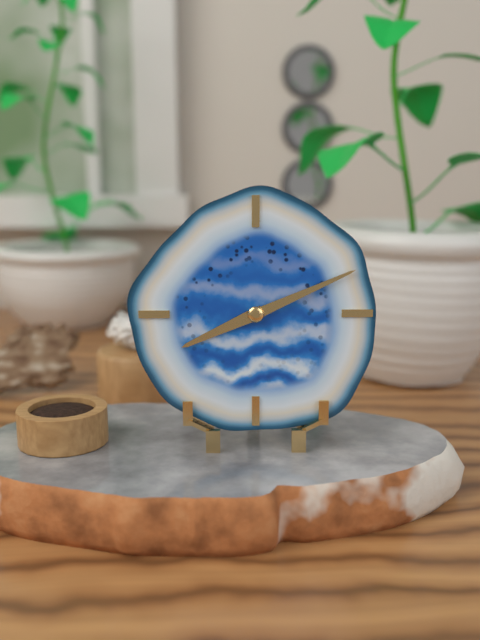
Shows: **8:11**
